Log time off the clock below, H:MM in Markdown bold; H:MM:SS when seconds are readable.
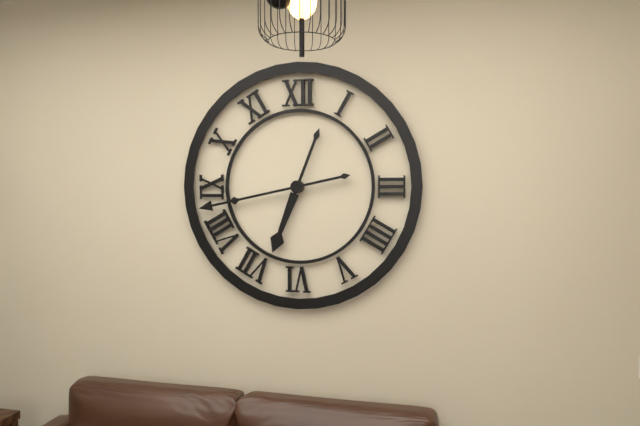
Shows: **6:43**
